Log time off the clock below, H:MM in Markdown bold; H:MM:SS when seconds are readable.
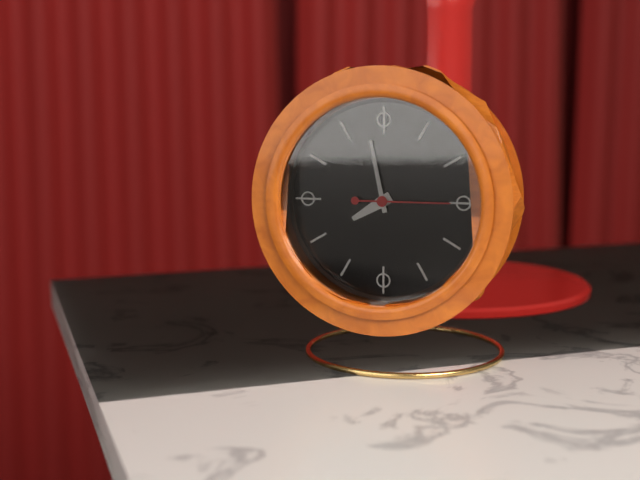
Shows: **7:58:15**
